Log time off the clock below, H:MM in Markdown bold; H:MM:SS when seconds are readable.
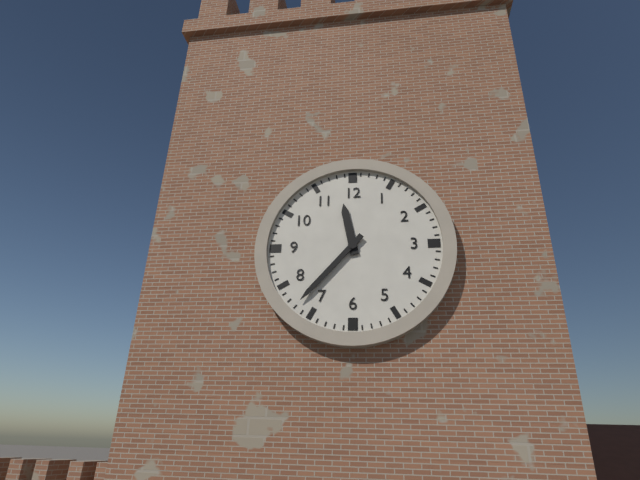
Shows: **11:37**
